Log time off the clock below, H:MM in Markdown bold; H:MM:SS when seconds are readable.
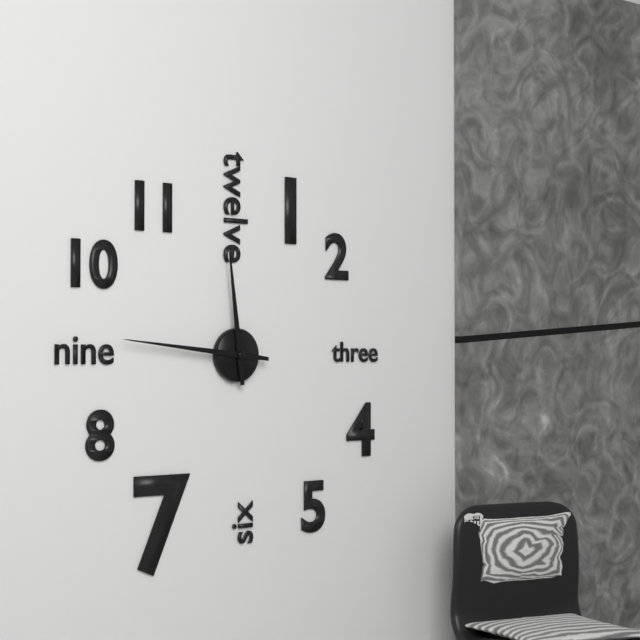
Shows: **11:46**
